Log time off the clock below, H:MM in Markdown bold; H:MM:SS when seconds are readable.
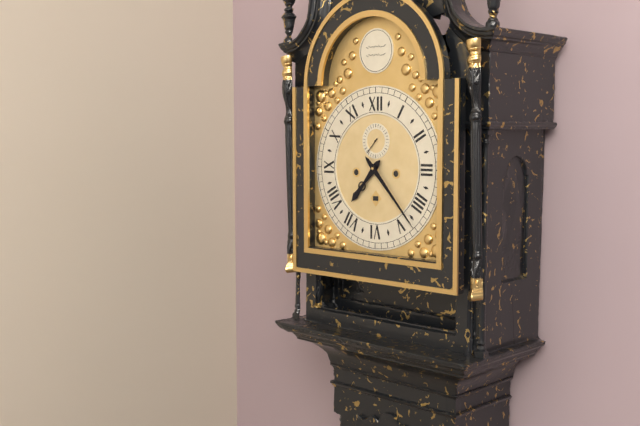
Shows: **7:23**
